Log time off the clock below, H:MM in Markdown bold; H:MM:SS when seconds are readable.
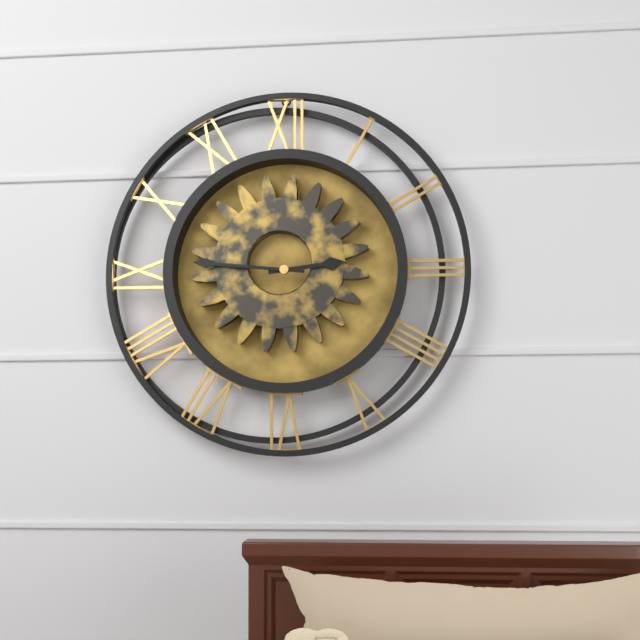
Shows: **2:46**
